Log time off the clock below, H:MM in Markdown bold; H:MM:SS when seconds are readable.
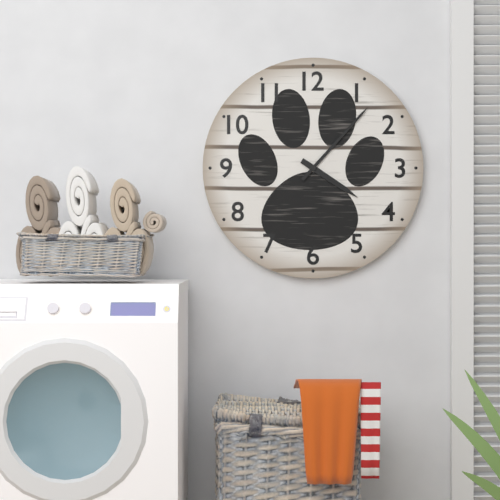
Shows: **4:07**
